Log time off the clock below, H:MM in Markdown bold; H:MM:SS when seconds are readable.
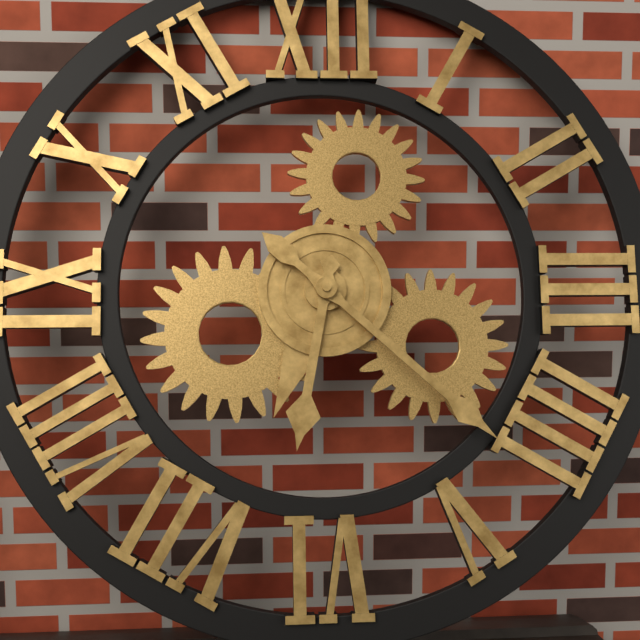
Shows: **6:22**
